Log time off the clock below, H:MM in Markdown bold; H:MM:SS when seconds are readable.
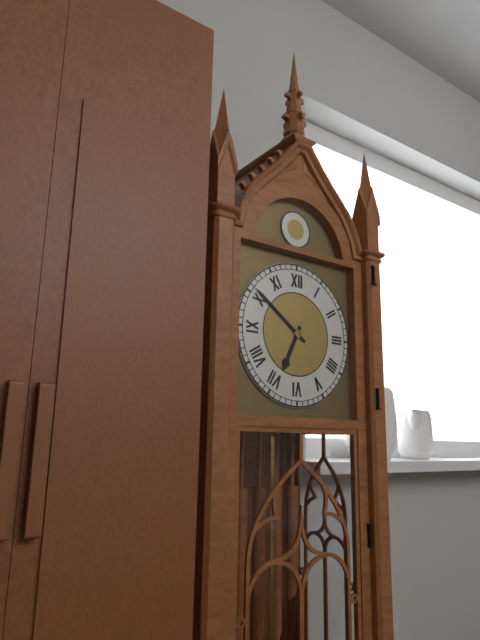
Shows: **6:51**
